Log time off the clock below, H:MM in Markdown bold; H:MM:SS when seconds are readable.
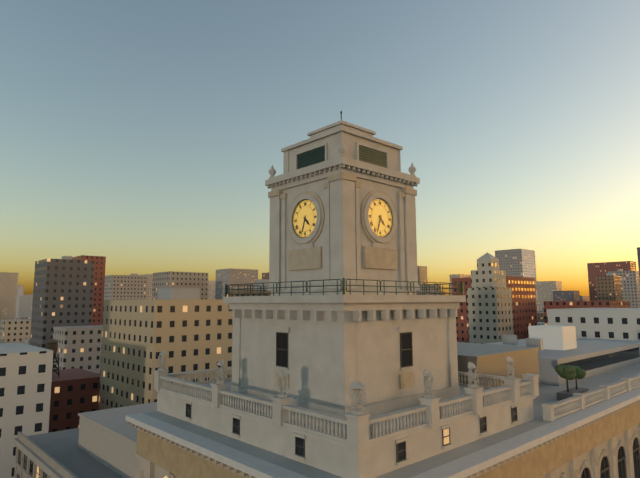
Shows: **4:33**
